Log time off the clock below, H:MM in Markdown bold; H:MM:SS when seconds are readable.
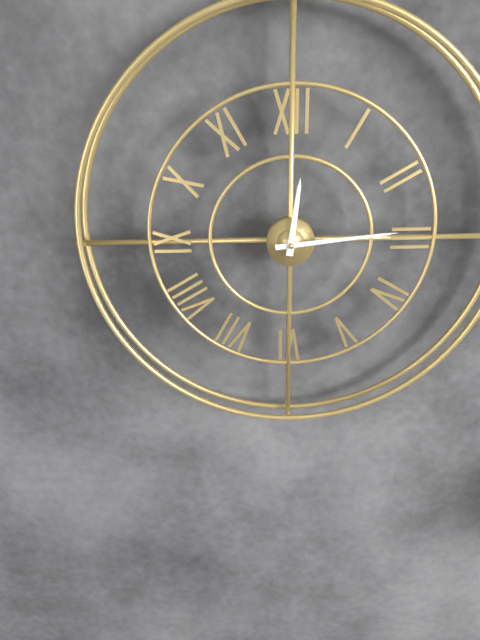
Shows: **12:14**
